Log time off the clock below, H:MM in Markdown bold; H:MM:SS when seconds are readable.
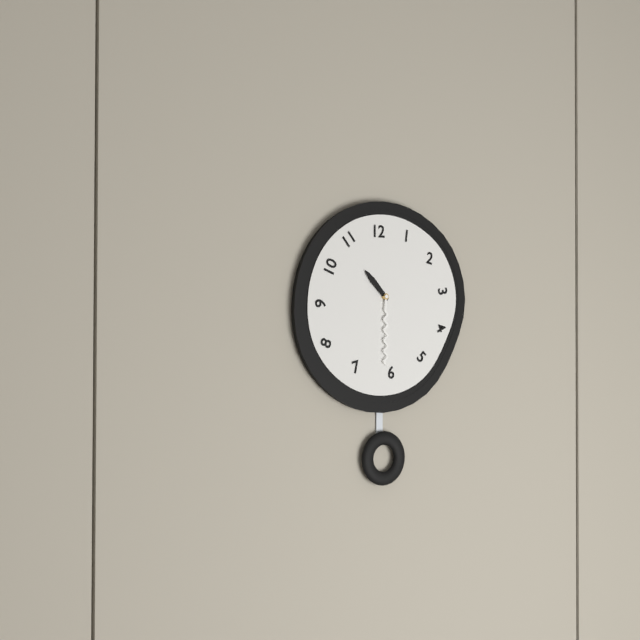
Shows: **10:30**
